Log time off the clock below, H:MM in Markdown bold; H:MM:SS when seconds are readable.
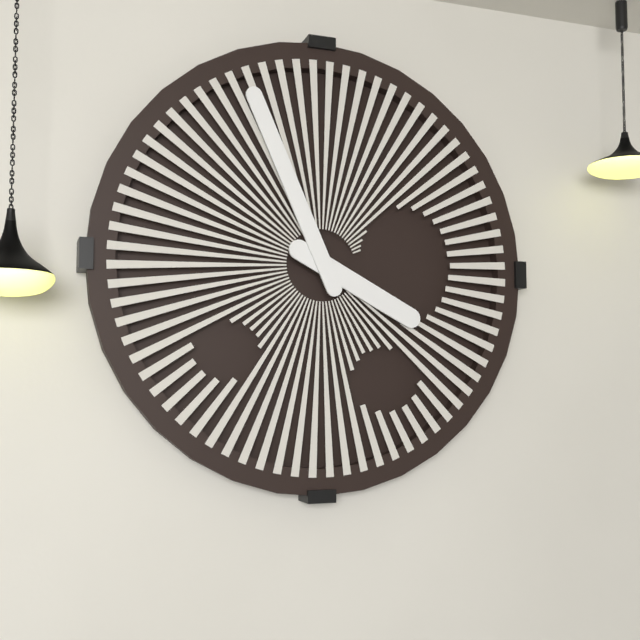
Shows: **3:56**
